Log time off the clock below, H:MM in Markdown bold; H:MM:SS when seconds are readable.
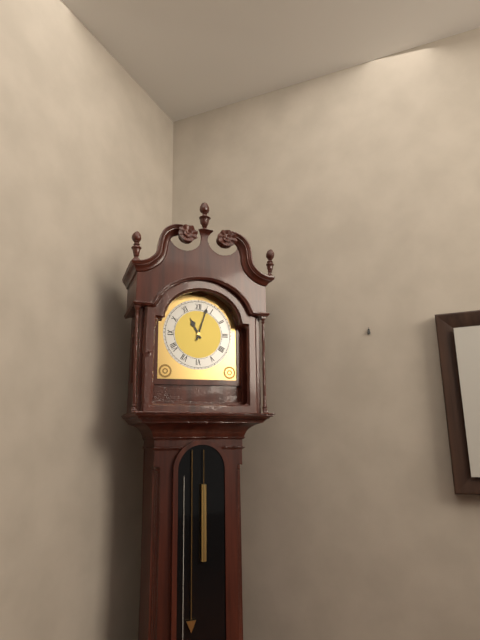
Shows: **11:03**
